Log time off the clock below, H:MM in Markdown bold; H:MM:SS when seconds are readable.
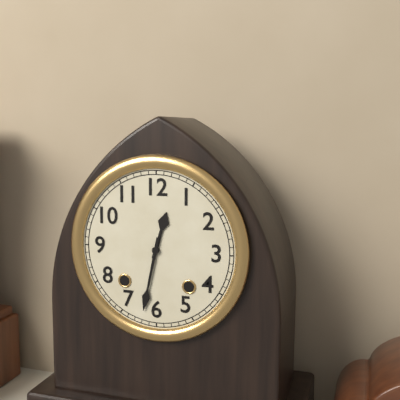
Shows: **12:32**
